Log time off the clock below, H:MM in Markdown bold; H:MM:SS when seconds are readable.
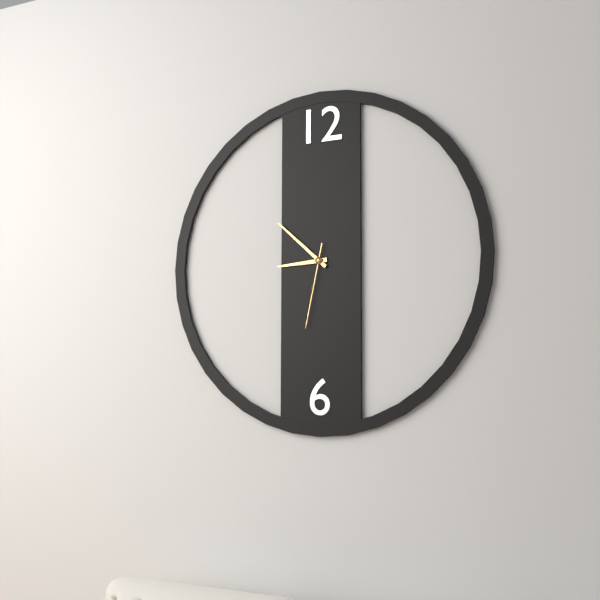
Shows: **8:52:32**
